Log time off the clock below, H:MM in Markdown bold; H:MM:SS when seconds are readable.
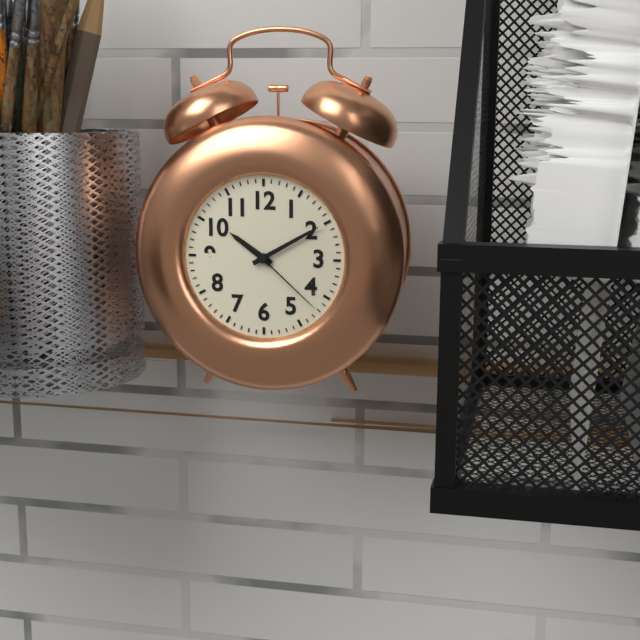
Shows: **10:10:22**
